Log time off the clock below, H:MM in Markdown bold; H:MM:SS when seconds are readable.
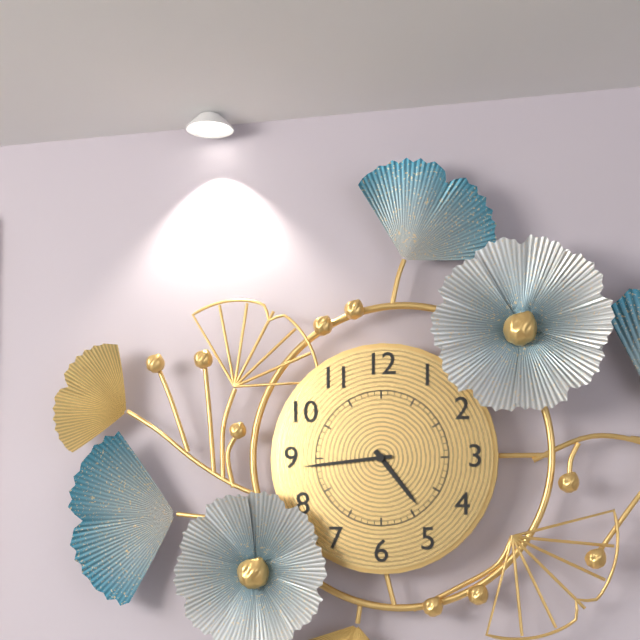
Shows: **4:44**
